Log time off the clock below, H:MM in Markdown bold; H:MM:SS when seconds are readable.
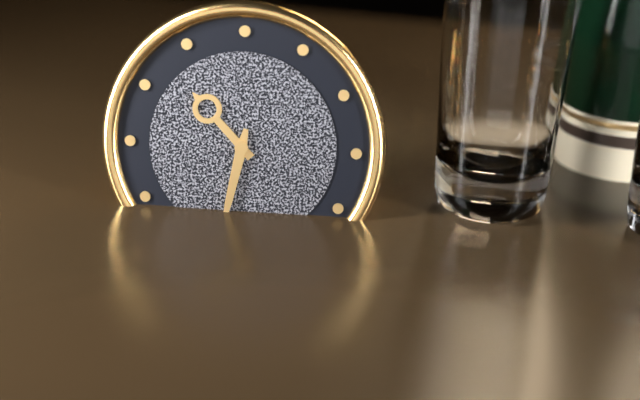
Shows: **10:32**
